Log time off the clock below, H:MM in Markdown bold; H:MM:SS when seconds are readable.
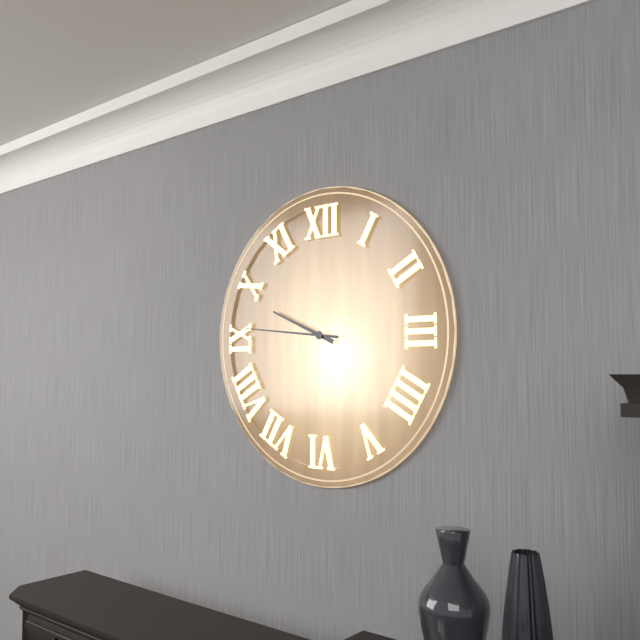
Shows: **9:46**
